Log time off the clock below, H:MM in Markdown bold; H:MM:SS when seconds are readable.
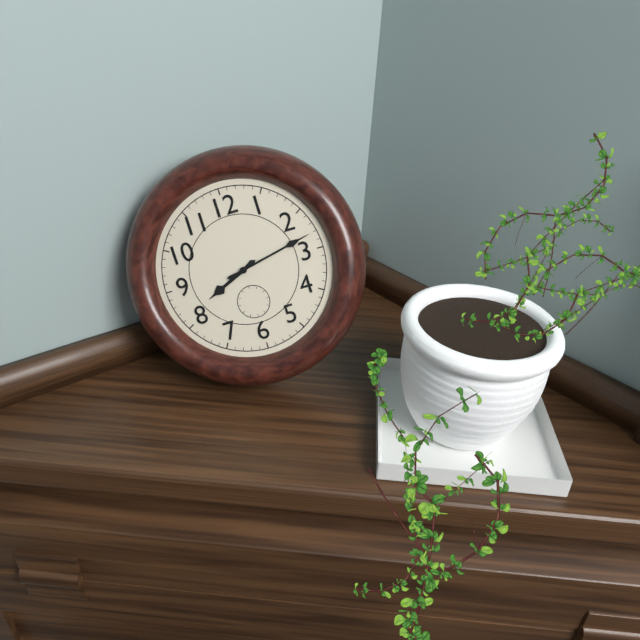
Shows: **8:13**
